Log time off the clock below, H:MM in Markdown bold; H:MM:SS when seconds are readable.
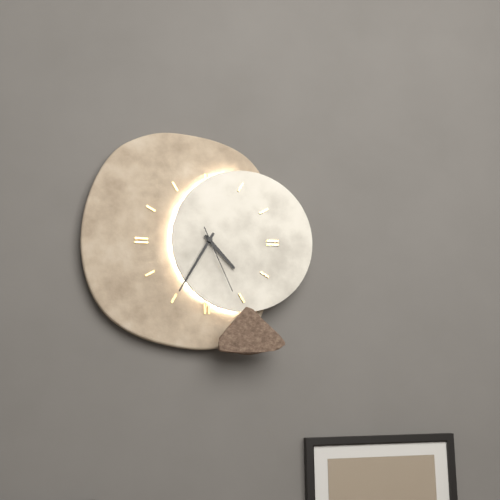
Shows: **4:35:26**
